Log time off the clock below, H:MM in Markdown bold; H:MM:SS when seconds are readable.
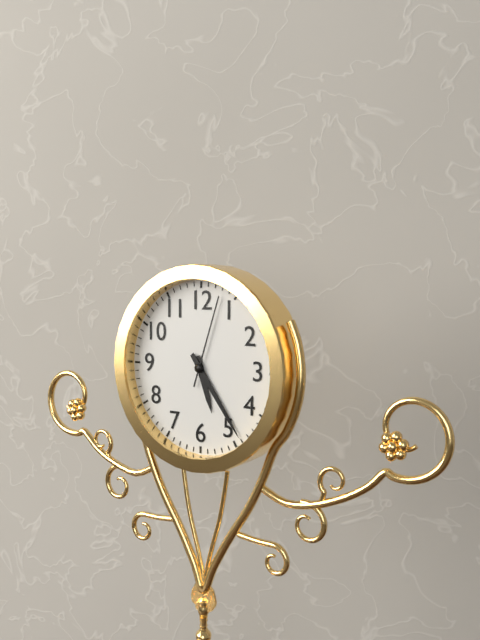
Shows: **5:24:03**
